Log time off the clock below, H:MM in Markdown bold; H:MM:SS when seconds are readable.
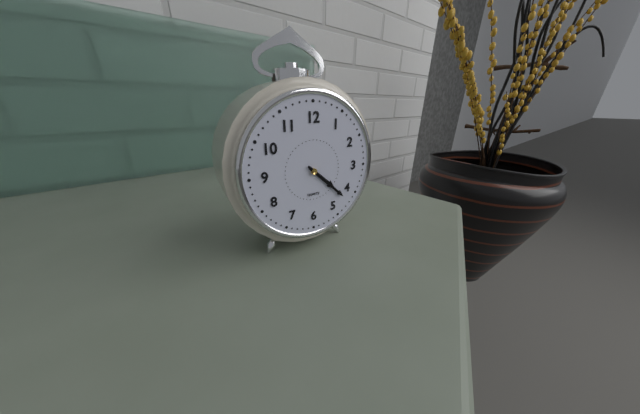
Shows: **4:22**
